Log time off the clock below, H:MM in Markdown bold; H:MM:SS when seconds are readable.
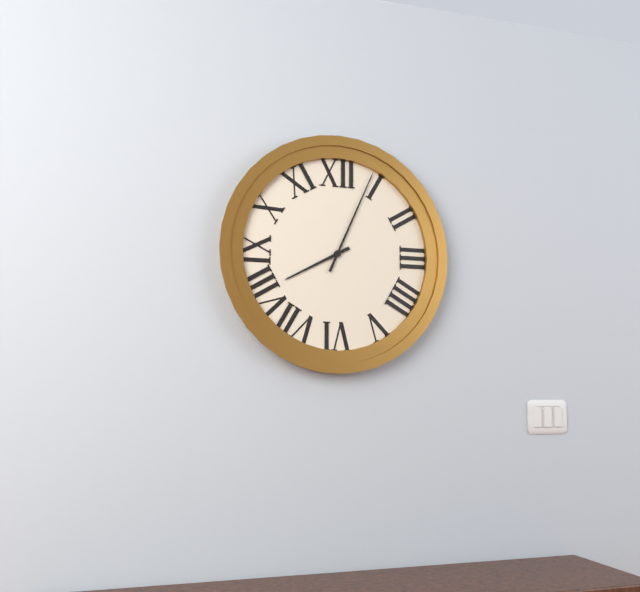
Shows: **8:04**
